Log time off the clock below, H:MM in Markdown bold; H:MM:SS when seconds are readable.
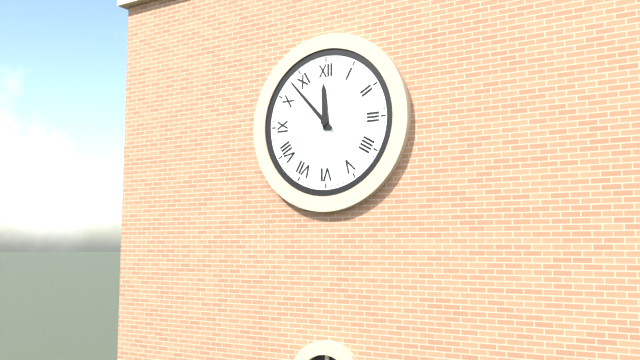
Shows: **11:53**
